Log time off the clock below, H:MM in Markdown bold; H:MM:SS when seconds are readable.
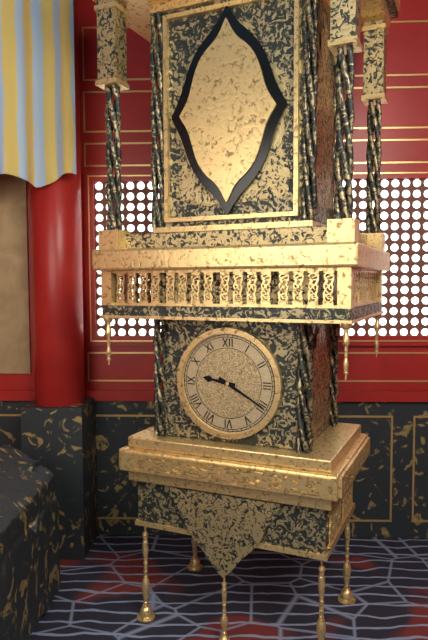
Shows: **9:20**
